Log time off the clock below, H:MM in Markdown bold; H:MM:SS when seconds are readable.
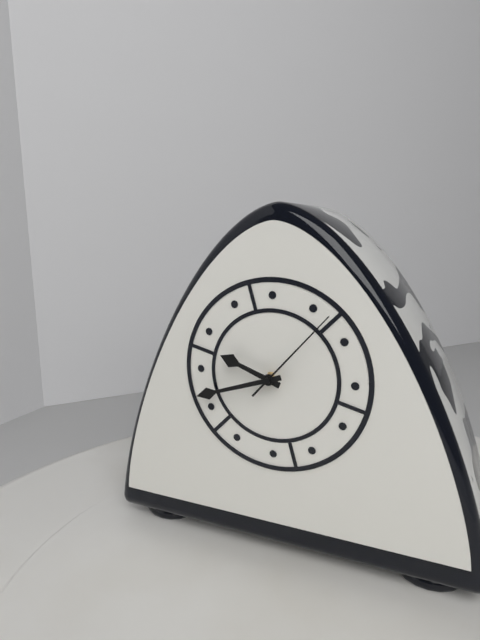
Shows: **9:42:07**
